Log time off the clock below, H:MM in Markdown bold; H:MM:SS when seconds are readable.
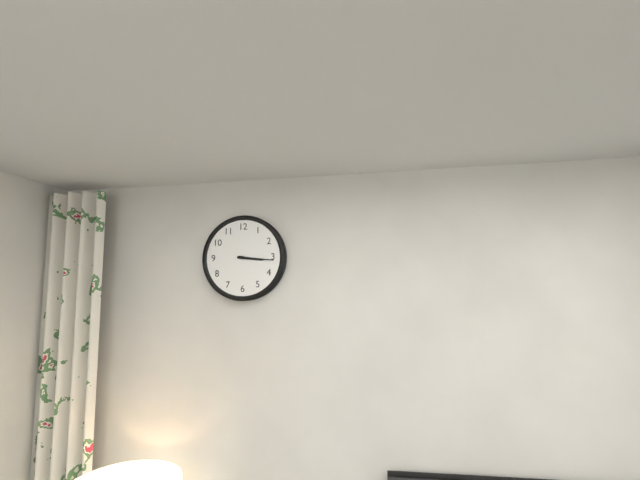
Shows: **3:16**
